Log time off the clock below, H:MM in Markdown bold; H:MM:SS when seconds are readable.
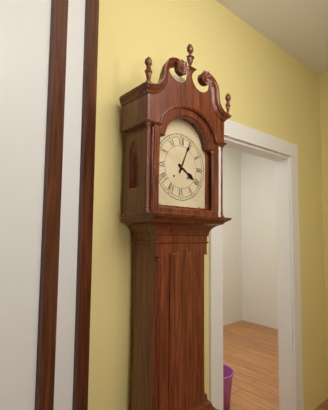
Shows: **4:04**
